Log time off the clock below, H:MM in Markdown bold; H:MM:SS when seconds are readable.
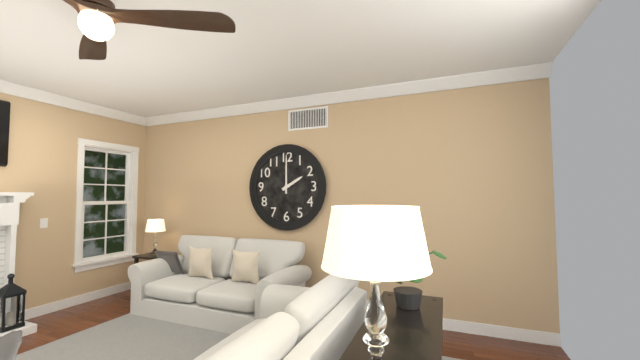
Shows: **2:00**
